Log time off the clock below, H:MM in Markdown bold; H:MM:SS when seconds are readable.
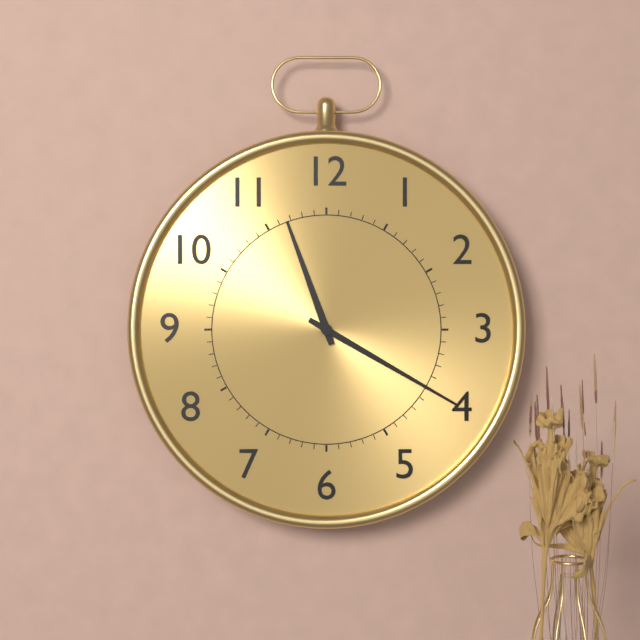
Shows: **11:20**
